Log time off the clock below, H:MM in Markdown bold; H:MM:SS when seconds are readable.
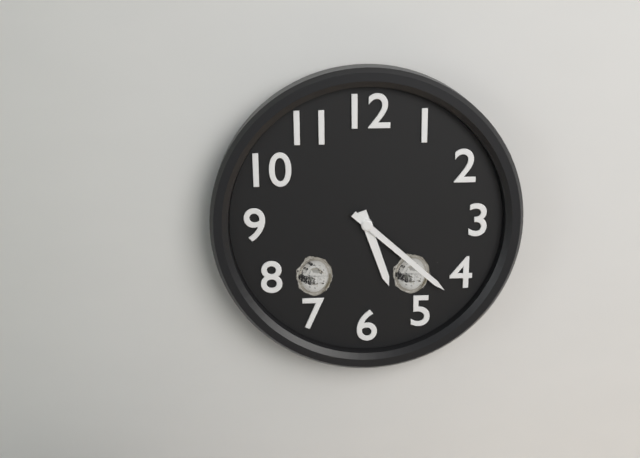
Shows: **5:22**
